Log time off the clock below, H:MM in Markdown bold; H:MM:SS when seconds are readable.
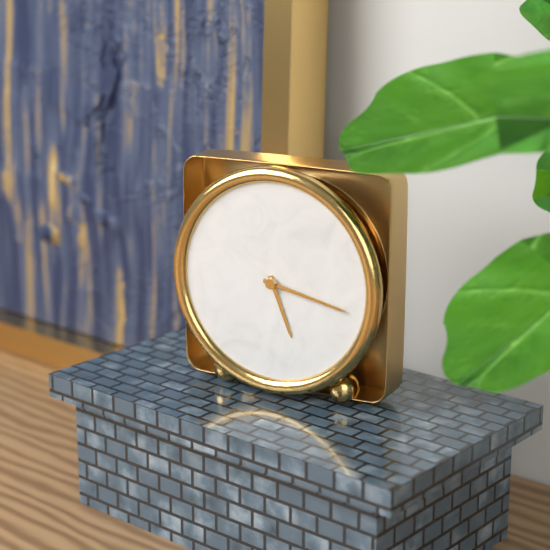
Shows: **5:17**
